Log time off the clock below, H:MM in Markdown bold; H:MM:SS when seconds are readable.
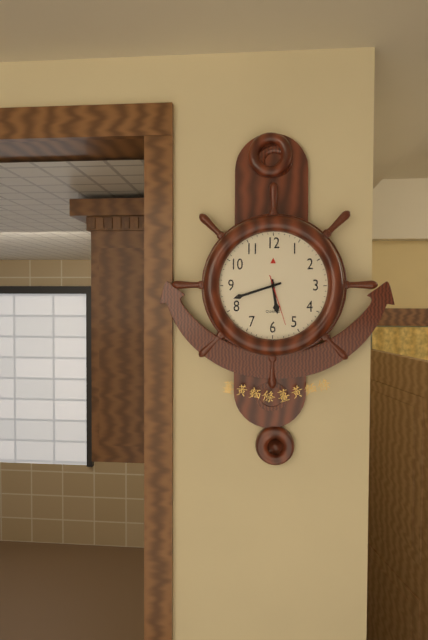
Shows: **5:42:27**
